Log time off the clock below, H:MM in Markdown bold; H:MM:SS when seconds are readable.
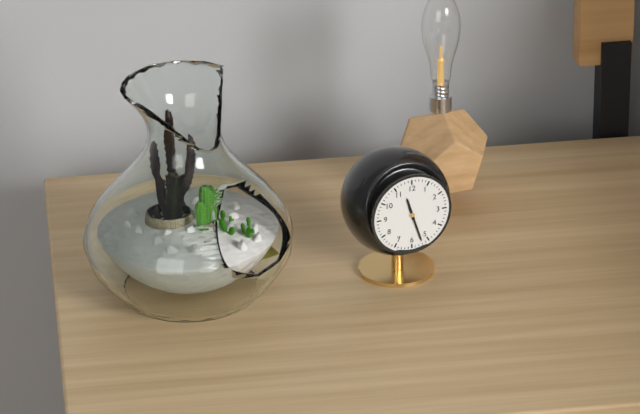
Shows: **11:27**
